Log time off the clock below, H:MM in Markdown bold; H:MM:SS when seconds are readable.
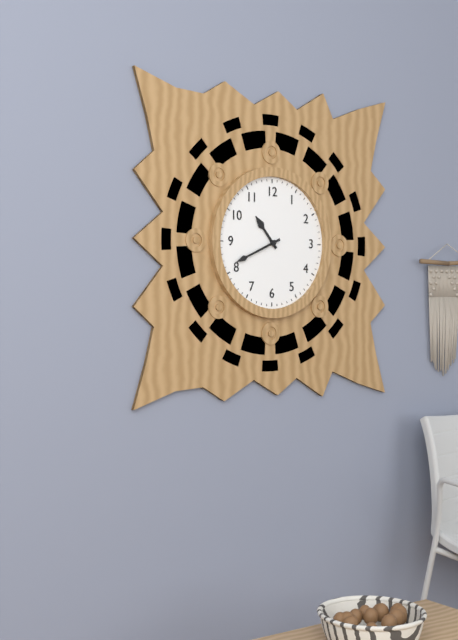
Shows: **10:41**
